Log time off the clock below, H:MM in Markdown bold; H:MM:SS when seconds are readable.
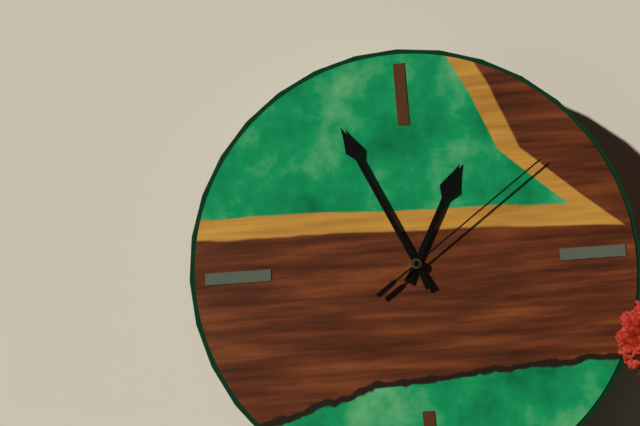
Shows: **12:56:09**
